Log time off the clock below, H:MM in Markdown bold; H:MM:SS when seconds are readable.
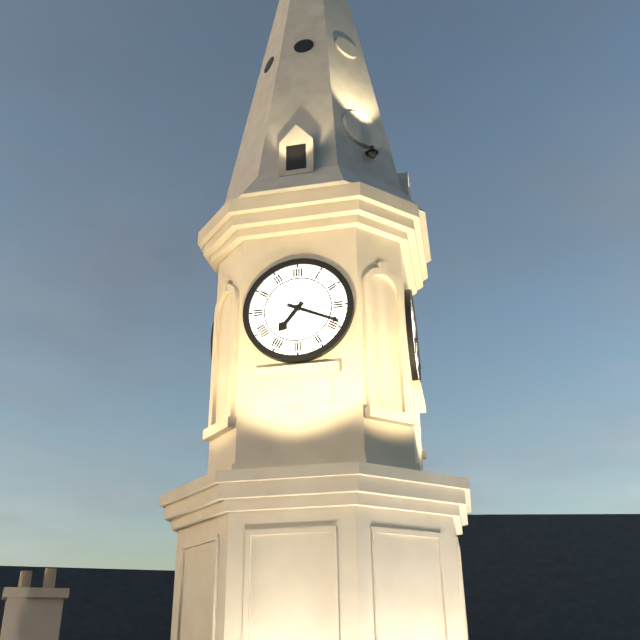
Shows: **7:19**
